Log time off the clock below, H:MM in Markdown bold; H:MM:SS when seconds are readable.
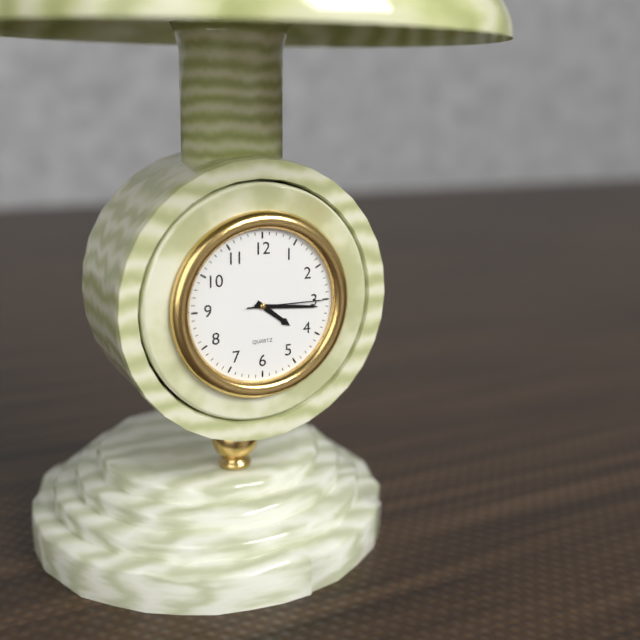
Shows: **4:16:15**
